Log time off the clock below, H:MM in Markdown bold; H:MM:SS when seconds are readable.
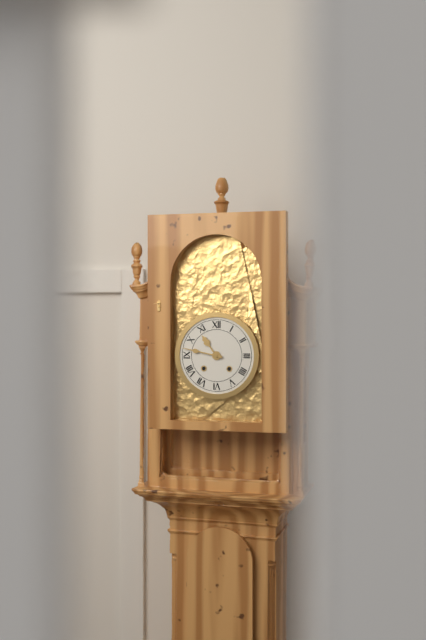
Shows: **10:47**
